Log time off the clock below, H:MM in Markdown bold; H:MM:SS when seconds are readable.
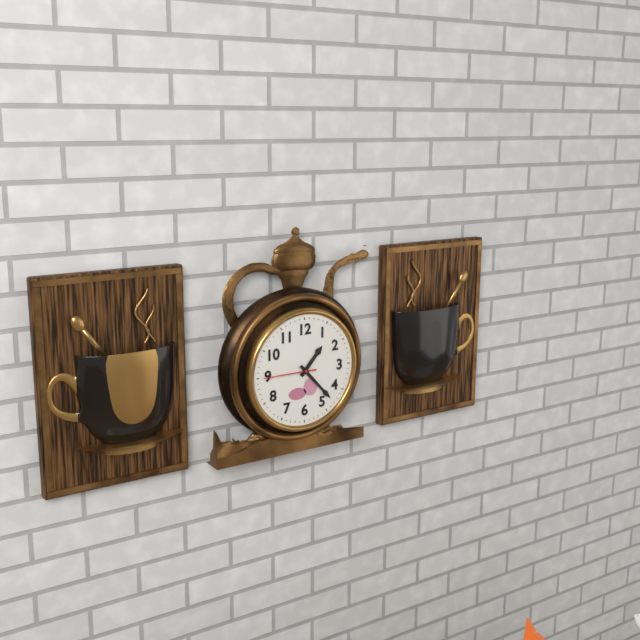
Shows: **1:23:45**
